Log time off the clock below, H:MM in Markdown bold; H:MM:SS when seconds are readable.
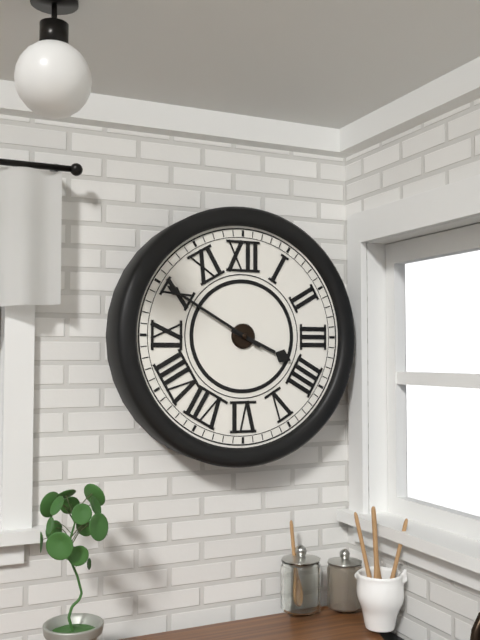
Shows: **3:50**
